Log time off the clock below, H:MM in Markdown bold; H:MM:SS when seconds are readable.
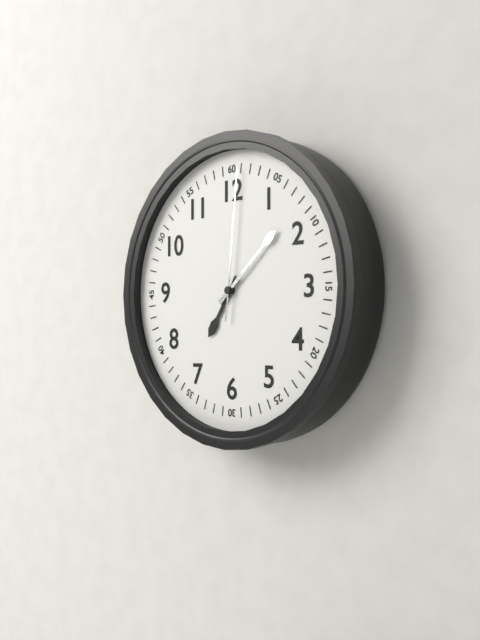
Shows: **7:08:01**
